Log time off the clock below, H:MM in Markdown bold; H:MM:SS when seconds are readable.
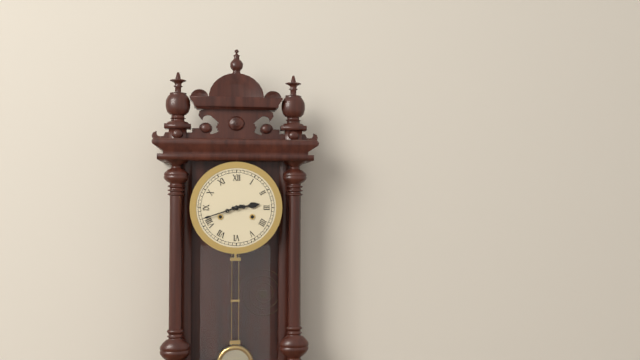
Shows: **2:42**
